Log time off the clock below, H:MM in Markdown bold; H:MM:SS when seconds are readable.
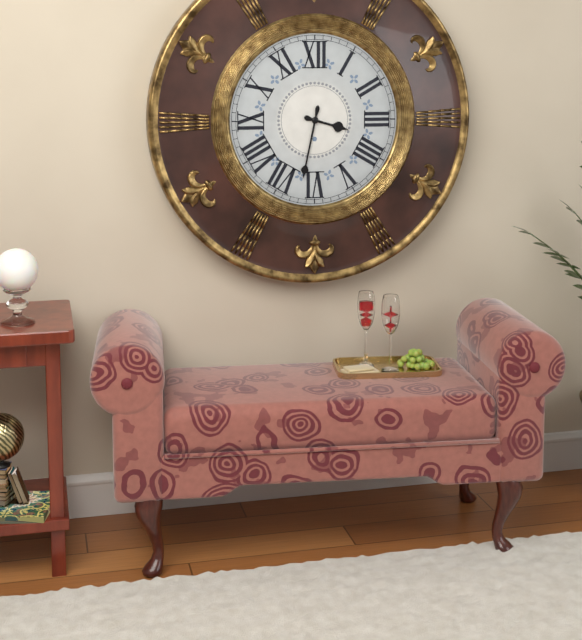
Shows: **3:32**
